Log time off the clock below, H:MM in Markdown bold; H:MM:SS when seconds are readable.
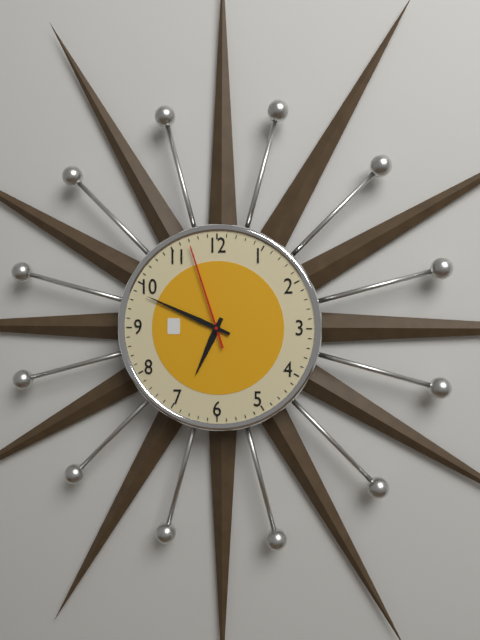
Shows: **6:49:57**
